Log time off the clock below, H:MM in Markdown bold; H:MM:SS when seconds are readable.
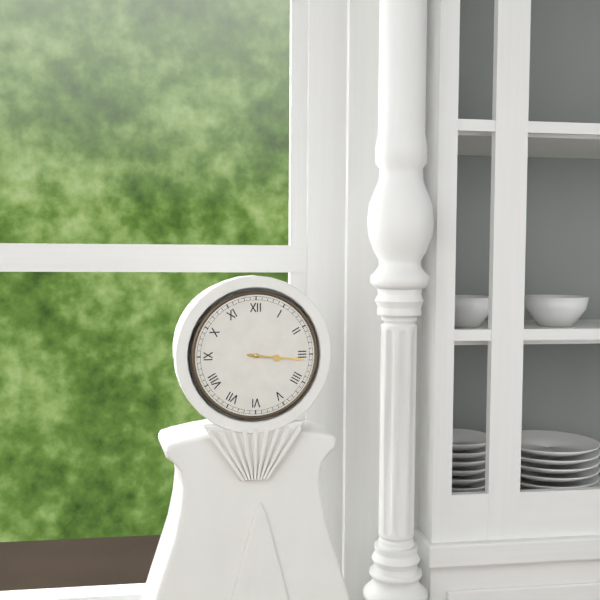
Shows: **3:16**
